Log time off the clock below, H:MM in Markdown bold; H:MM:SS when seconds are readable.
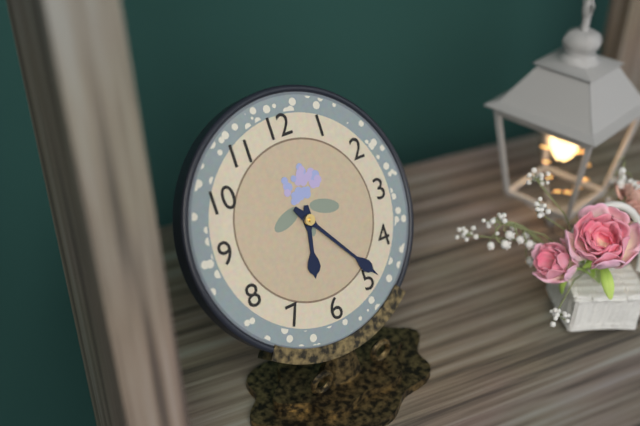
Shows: **6:24**
